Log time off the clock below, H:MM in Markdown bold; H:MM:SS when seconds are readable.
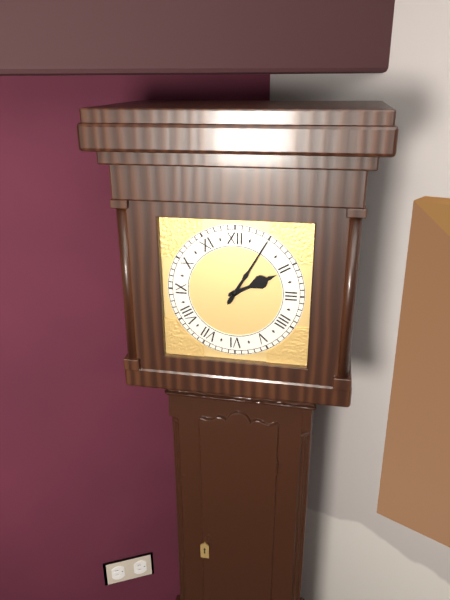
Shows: **2:05**
